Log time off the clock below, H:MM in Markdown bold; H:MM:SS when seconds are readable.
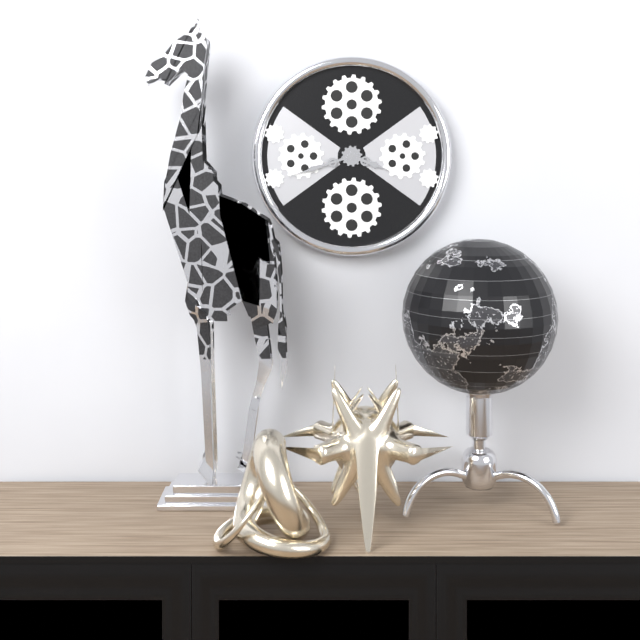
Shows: **3:42**
